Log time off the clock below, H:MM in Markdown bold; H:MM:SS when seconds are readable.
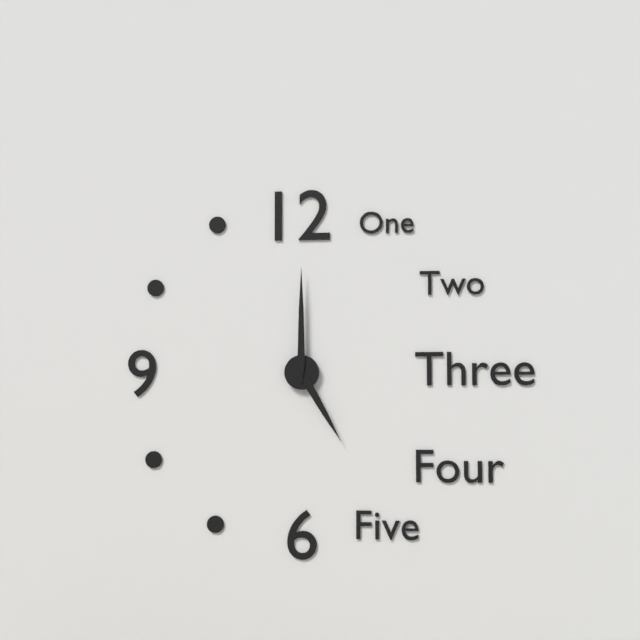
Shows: **5:00**
